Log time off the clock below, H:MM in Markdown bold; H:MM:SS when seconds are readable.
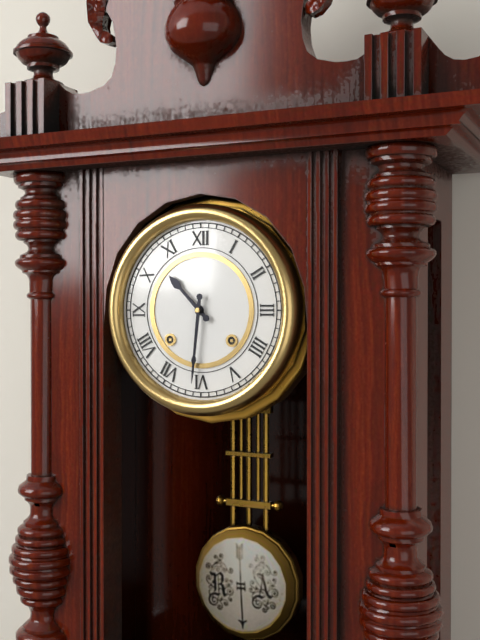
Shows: **10:31**
